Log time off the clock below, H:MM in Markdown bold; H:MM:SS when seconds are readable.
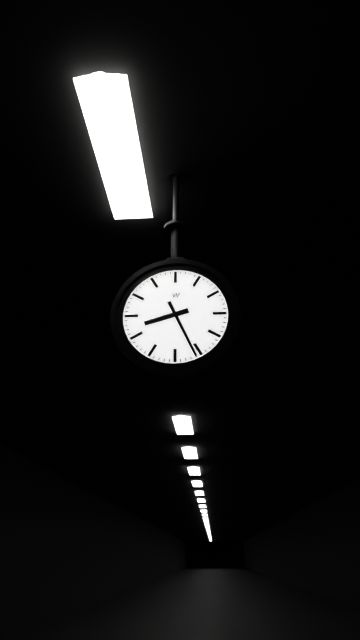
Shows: **8:26**
